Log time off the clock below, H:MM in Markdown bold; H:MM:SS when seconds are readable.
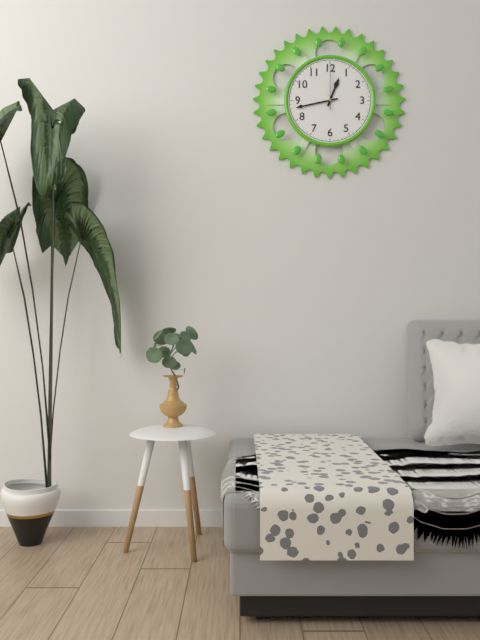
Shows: **12:43**
